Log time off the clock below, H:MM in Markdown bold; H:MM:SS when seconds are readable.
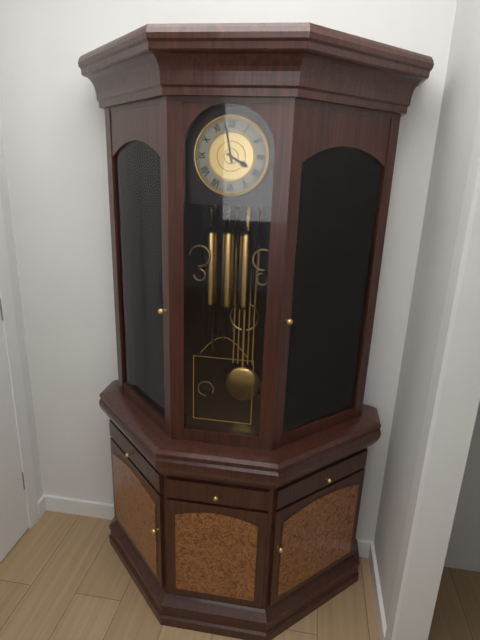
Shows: **3:58**
